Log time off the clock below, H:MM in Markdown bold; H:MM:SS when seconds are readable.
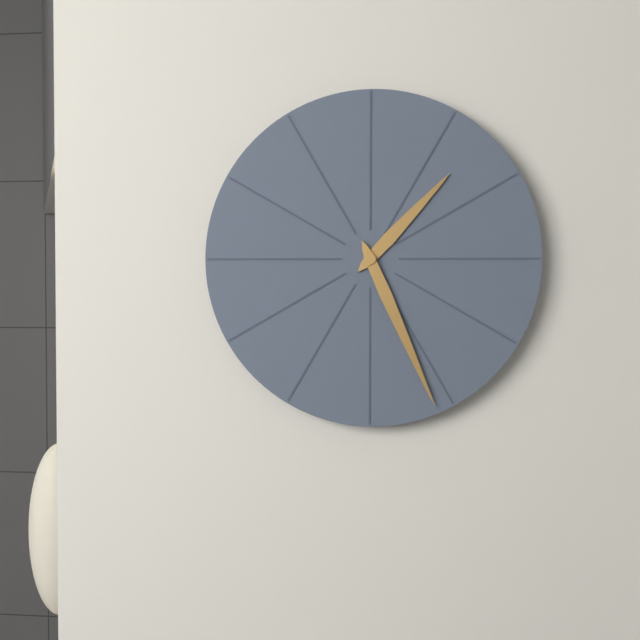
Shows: **1:26**
